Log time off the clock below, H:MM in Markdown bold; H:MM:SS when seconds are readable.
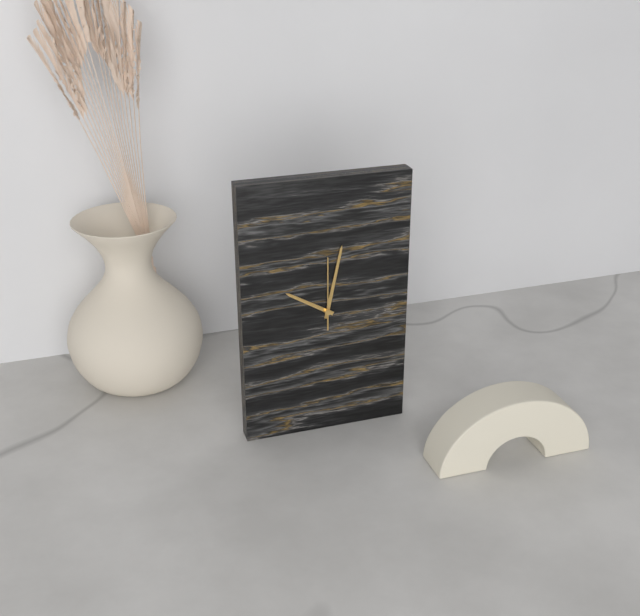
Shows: **10:02:00**
